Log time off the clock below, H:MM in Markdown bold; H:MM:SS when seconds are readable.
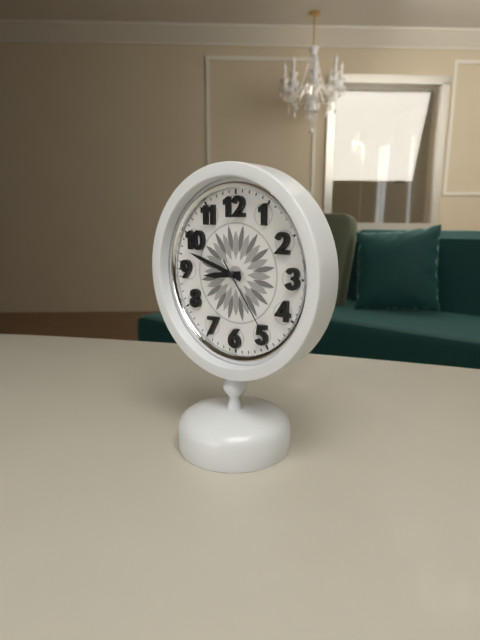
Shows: **8:48:24**
